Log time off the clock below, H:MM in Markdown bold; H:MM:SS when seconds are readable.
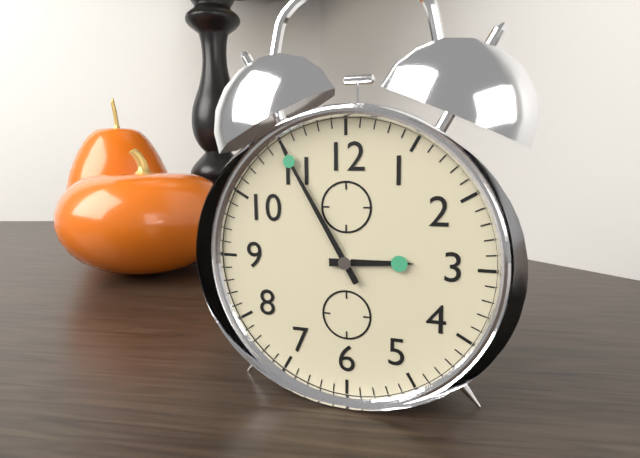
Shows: **2:55**
